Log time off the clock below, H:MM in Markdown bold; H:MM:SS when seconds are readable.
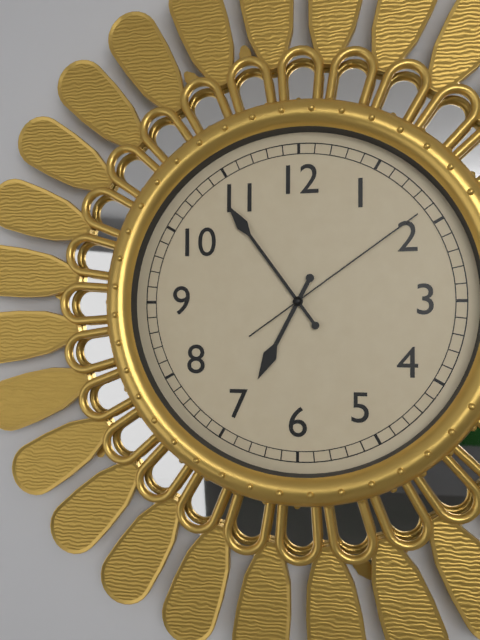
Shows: **6:54:09**
